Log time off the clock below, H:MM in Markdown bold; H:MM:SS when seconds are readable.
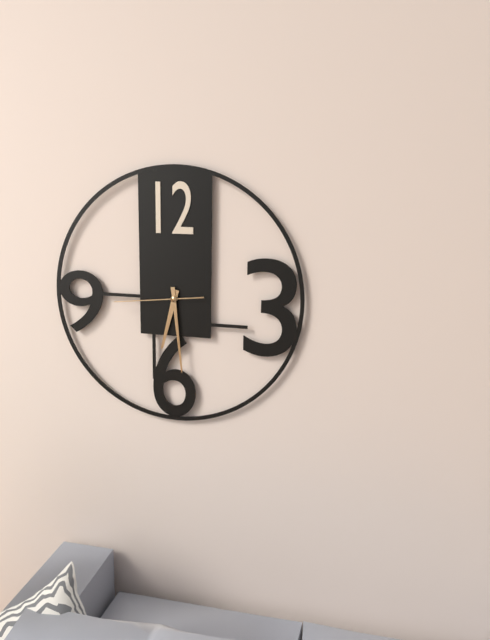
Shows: **6:29:44**
